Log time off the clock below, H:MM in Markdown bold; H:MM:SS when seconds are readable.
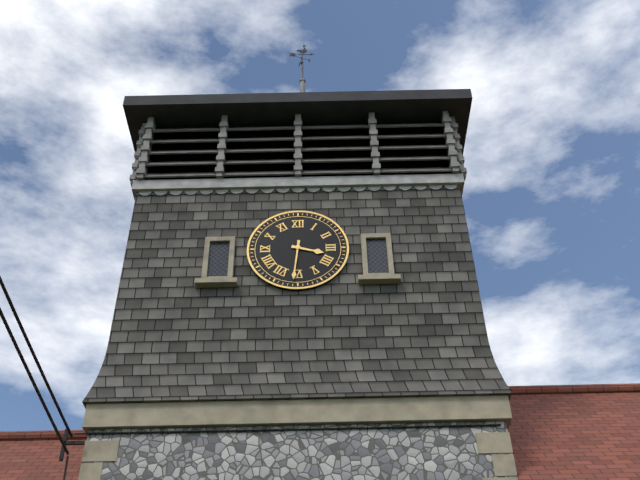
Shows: **3:31**
